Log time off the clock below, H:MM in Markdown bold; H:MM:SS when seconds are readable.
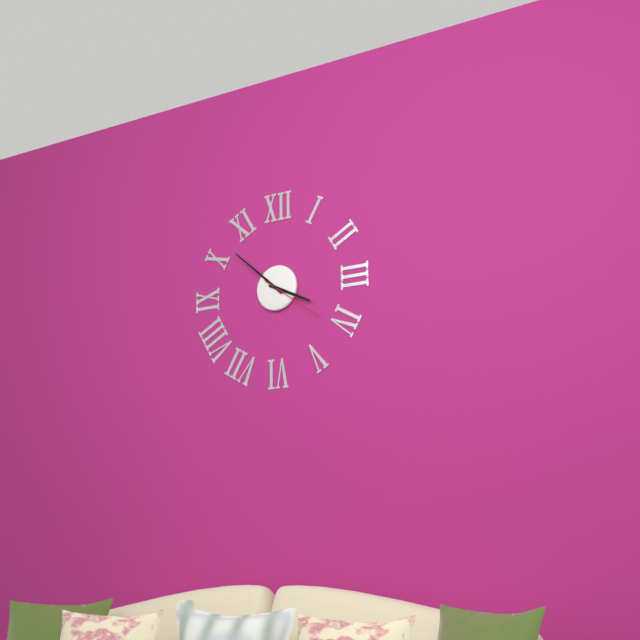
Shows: **3:52:21**
